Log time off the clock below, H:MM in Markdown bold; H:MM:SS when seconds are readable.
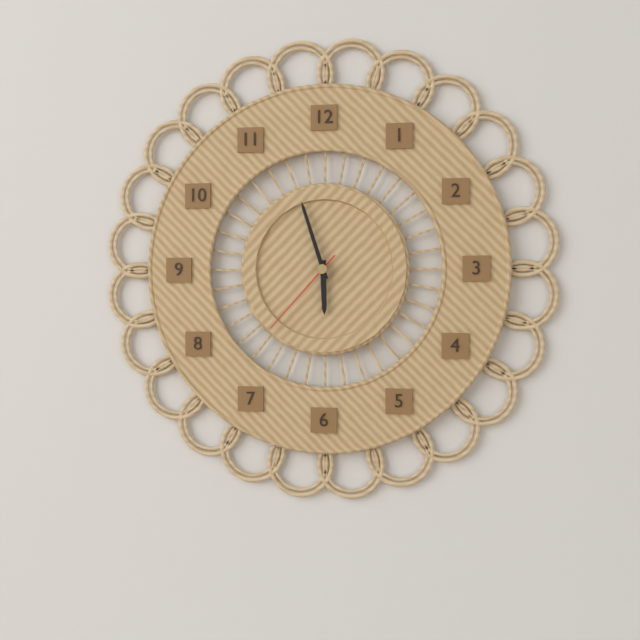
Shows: **5:57:37**
